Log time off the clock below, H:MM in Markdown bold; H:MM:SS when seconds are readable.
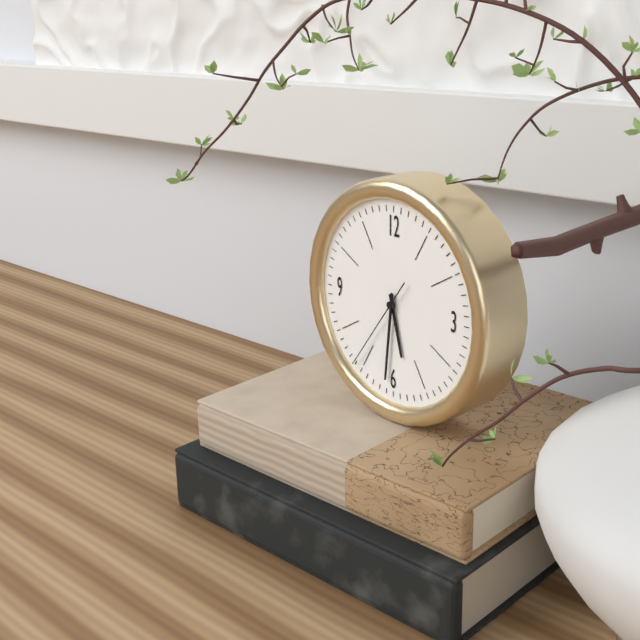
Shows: **5:31:36**
